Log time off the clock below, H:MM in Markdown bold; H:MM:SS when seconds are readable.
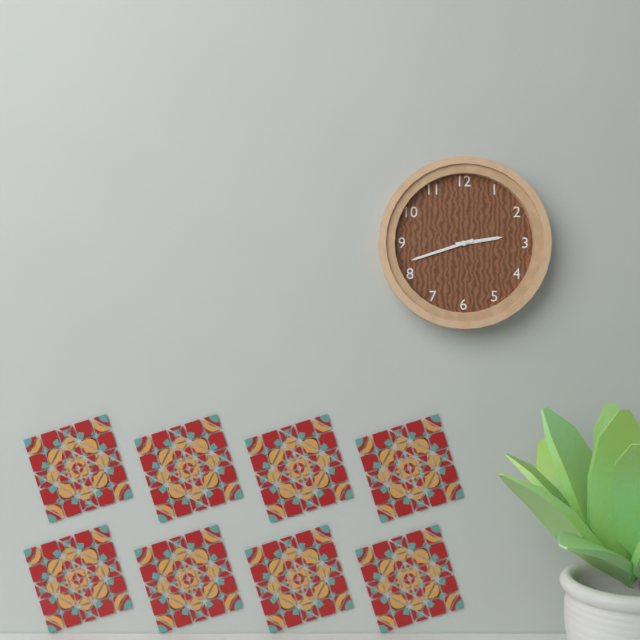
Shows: **2:42**
